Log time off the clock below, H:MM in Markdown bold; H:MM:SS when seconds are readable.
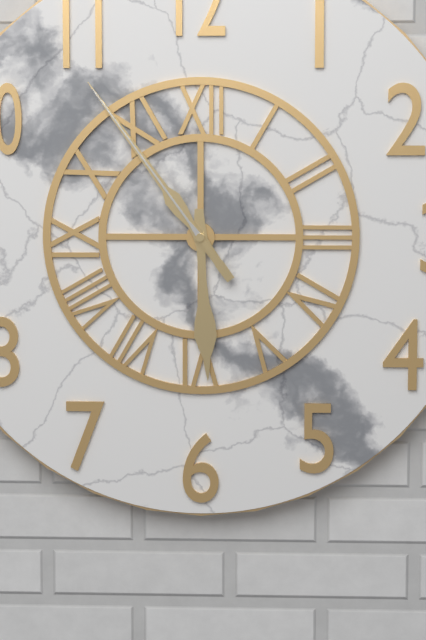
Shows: **5:54:54**
